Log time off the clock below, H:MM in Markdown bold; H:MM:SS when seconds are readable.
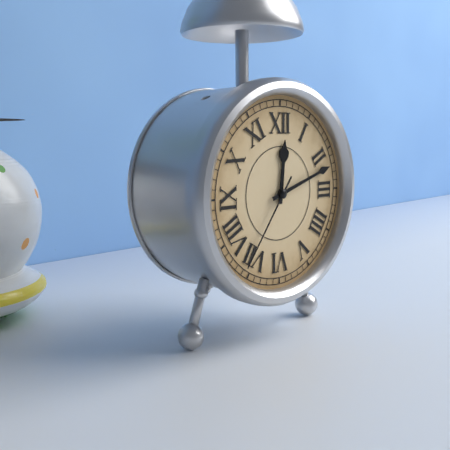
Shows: **12:12:36**
